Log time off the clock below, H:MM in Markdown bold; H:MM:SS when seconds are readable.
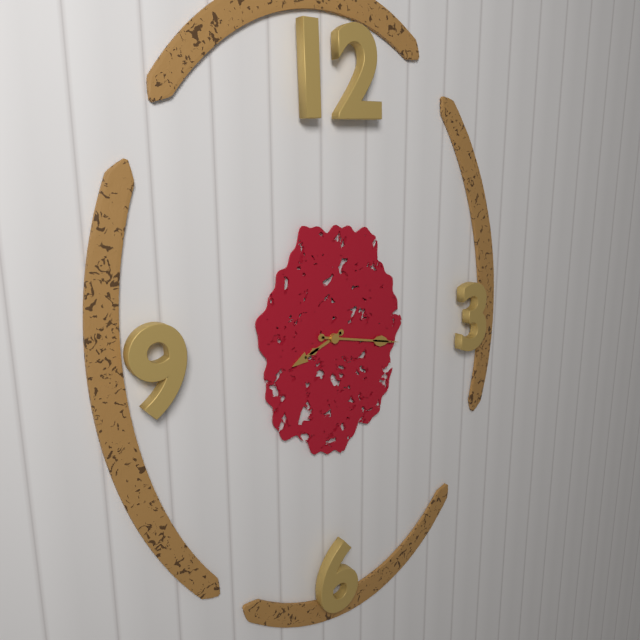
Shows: **8:17**
